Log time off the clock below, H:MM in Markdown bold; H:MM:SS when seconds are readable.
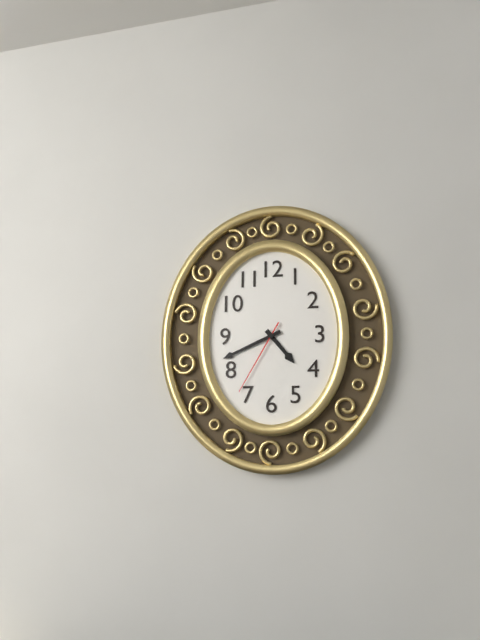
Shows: **4:41:35**
